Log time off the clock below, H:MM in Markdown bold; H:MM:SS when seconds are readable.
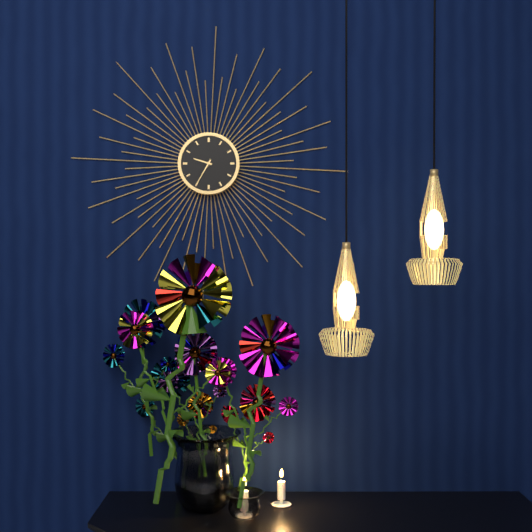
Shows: **9:35**
